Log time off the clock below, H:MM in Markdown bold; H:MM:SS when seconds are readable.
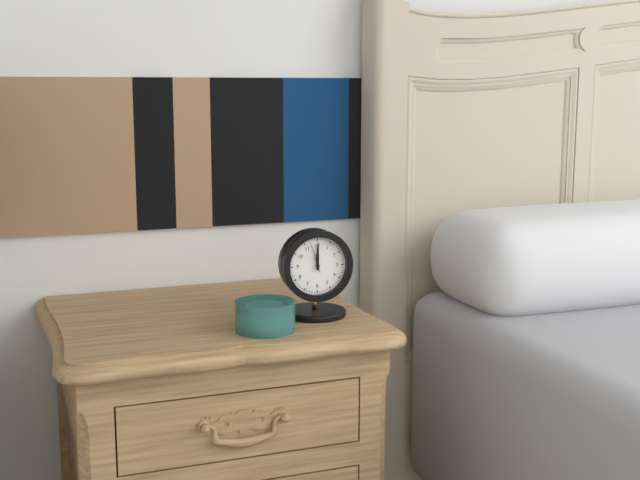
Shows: **12:00**
